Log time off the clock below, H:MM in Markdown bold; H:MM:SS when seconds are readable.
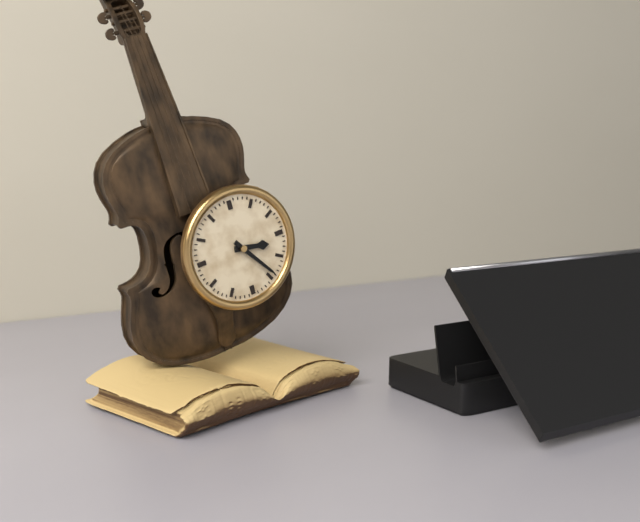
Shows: **3:24**
